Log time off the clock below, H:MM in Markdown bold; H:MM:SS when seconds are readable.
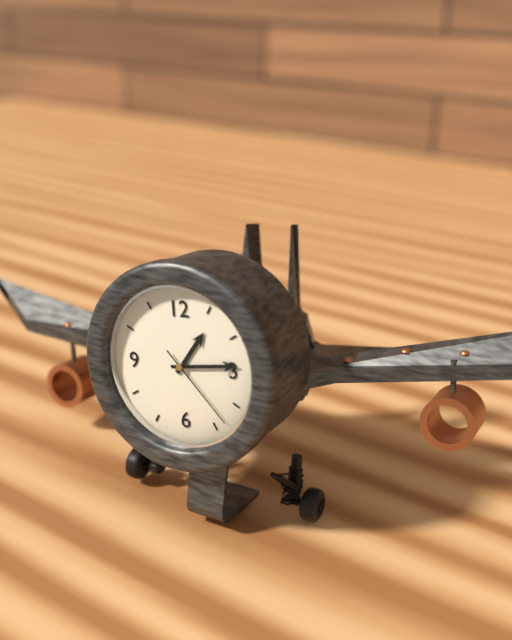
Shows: **1:14:23**
